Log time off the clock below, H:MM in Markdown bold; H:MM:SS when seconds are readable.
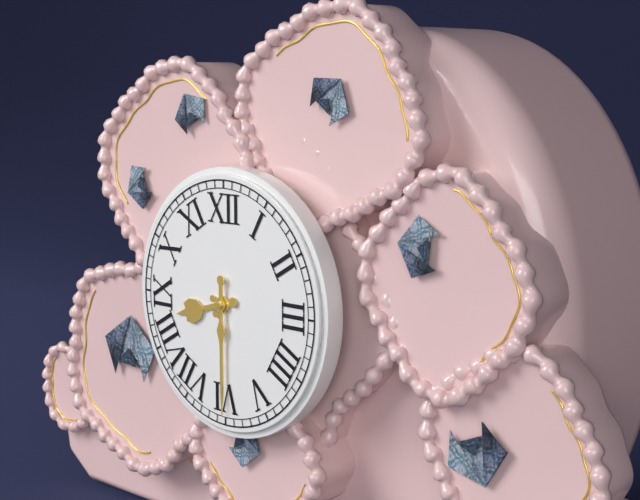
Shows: **8:30**
